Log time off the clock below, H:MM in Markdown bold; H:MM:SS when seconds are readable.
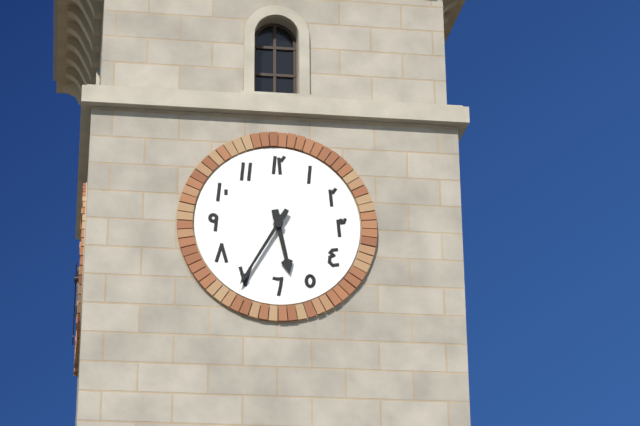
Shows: **5:35**
